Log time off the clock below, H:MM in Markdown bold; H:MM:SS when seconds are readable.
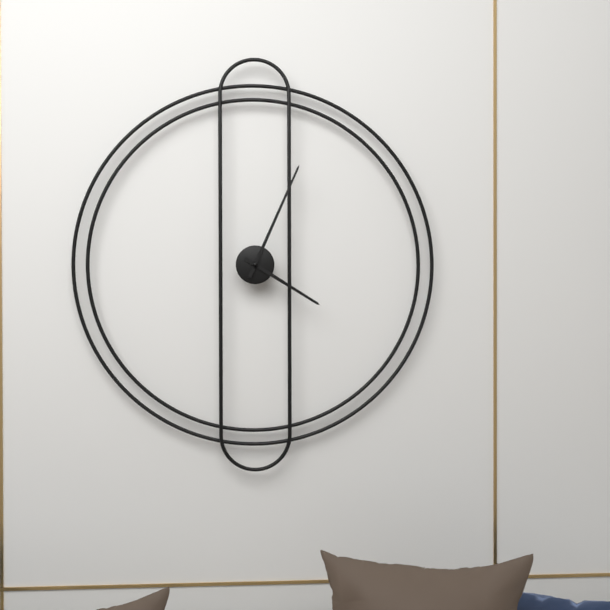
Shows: **4:04**
